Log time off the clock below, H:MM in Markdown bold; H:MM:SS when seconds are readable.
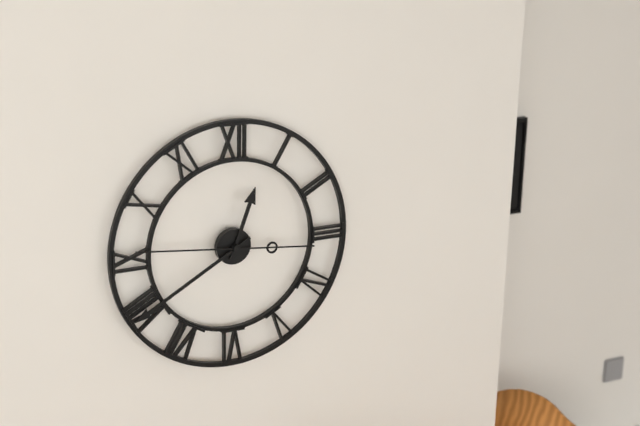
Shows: **12:40:46**
